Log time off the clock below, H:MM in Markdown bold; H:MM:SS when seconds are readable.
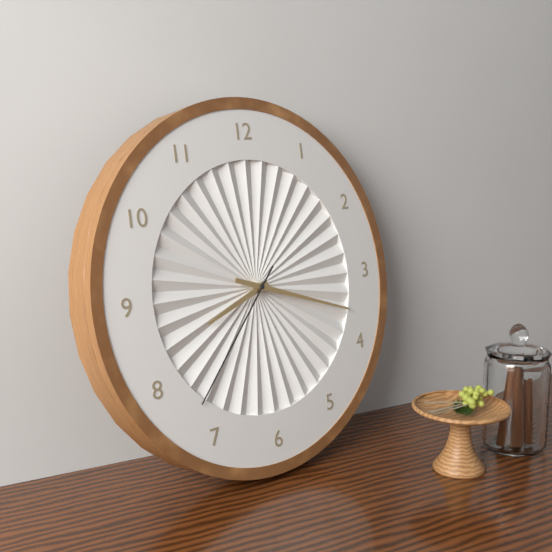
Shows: **8:18:37**
